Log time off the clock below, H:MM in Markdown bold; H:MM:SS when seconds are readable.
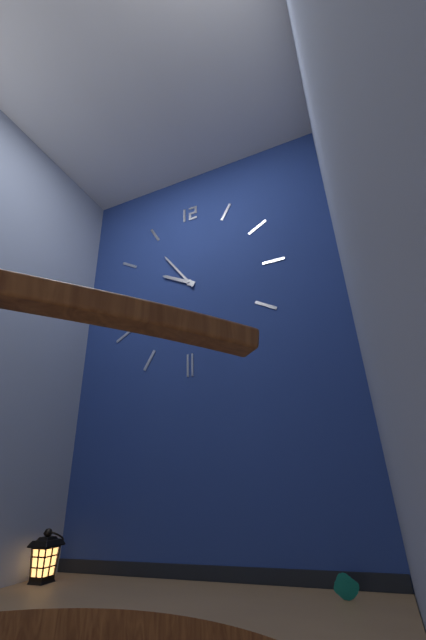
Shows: **9:54**
